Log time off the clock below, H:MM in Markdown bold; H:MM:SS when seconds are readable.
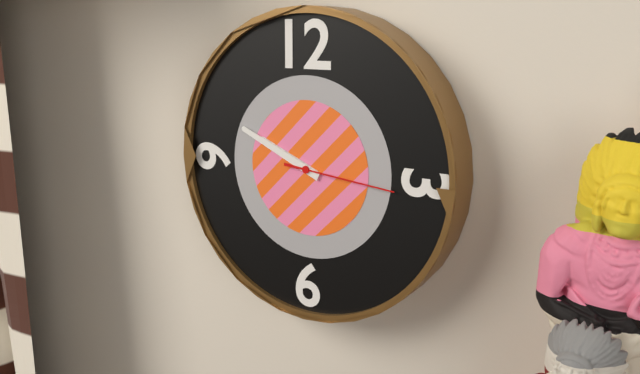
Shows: **9:49:16**
